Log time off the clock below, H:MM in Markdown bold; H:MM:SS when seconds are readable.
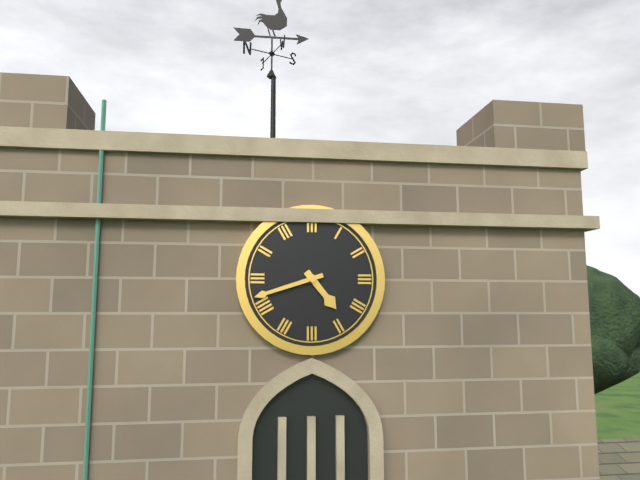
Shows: **4:42**
